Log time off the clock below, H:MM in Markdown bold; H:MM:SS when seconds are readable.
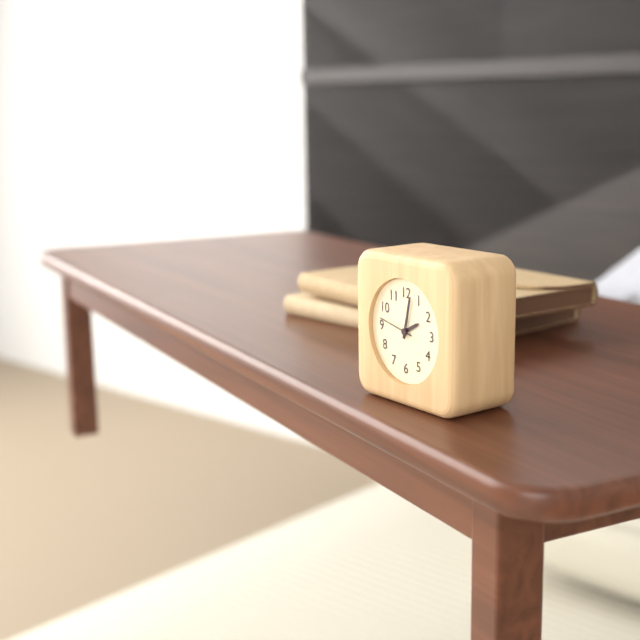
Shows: **2:02**
